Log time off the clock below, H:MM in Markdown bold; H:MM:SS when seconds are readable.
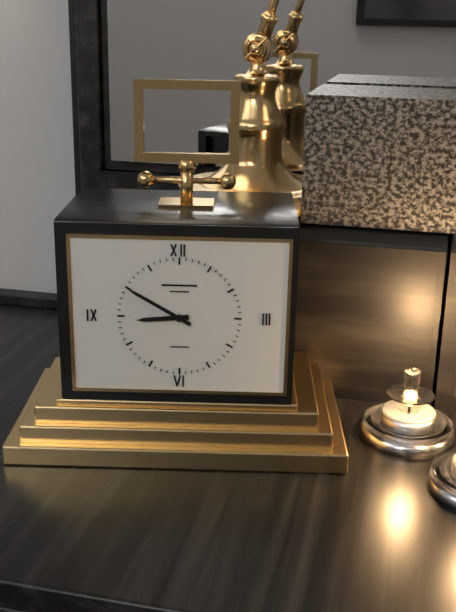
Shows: **8:50**
